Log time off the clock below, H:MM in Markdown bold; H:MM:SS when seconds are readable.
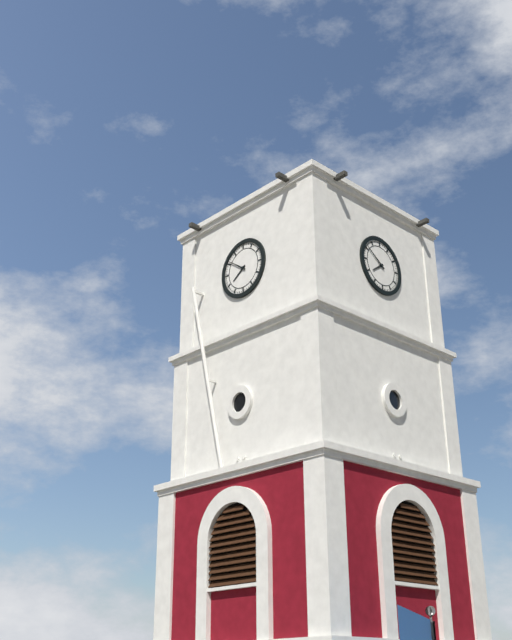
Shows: **7:51**
